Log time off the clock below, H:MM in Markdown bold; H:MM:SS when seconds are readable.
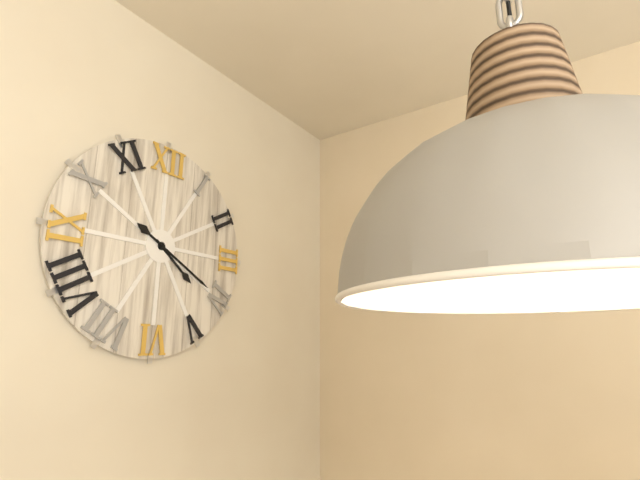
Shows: **4:20**
